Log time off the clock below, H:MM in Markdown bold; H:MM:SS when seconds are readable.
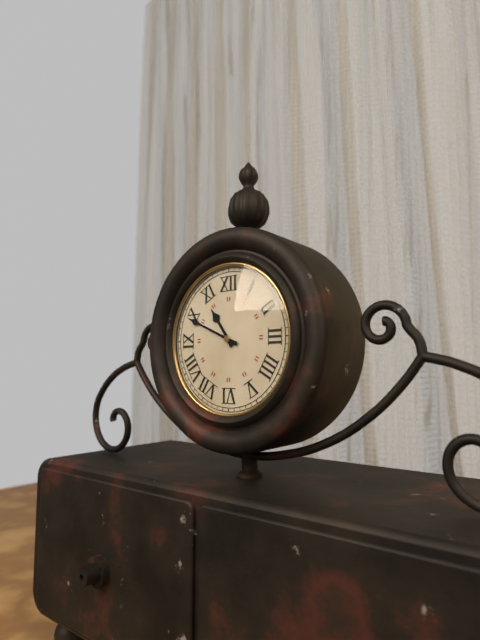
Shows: **10:49**
